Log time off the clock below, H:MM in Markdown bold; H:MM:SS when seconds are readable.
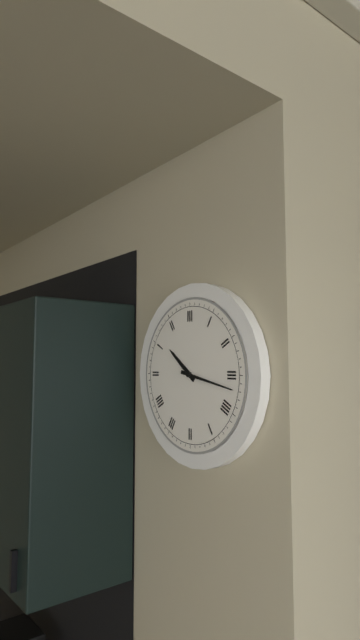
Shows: **10:17**
